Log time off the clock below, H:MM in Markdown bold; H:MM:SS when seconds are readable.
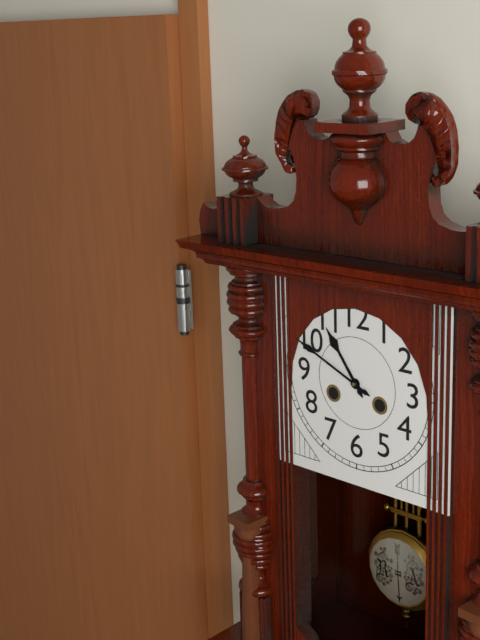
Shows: **10:49**
